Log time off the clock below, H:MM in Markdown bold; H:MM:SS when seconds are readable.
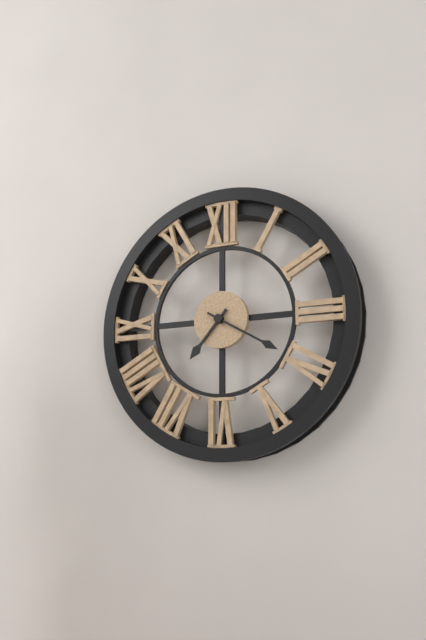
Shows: **7:20**
